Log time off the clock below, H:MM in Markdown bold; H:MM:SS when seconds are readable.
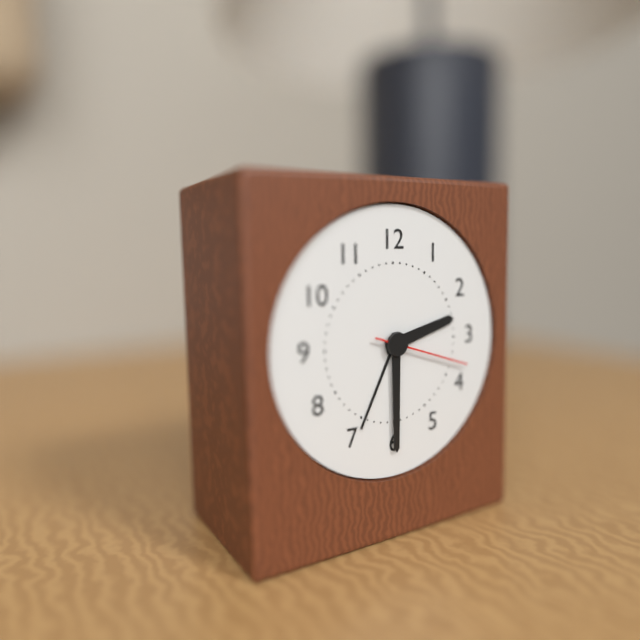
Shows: **2:30:18**
